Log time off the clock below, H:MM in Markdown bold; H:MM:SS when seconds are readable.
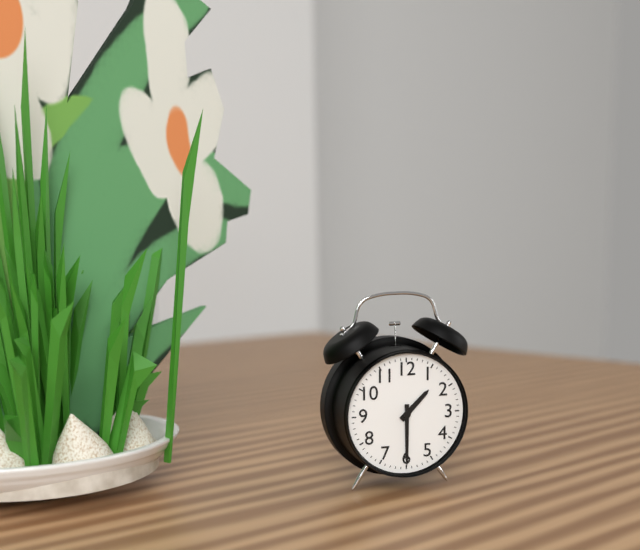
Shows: **1:30**
